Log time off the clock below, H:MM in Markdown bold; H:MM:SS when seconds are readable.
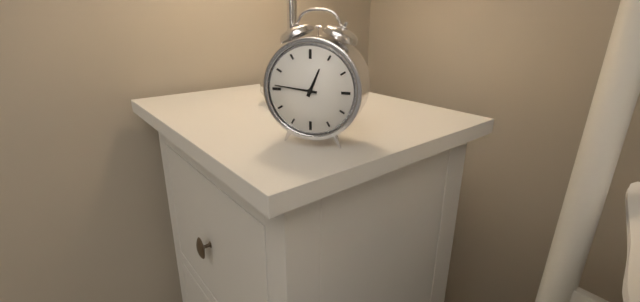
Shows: **12:46**
